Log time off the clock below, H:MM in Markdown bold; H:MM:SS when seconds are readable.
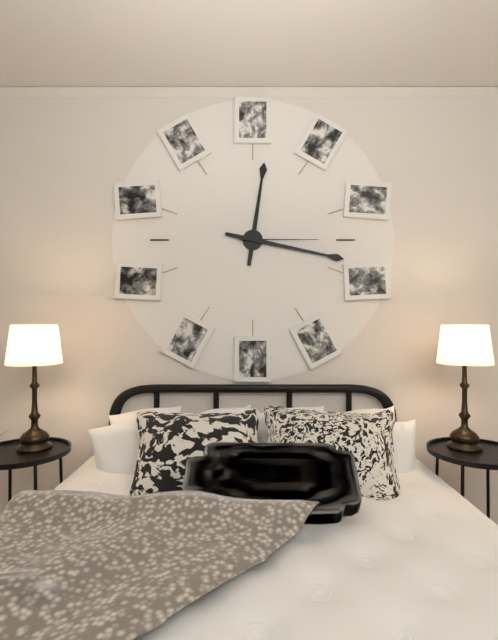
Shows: **12:17:15**
